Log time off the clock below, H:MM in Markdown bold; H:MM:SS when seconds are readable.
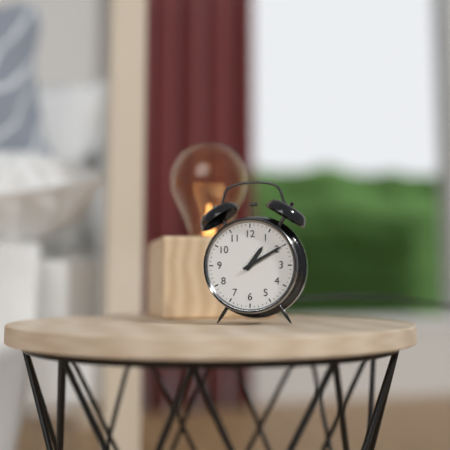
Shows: **1:10**
